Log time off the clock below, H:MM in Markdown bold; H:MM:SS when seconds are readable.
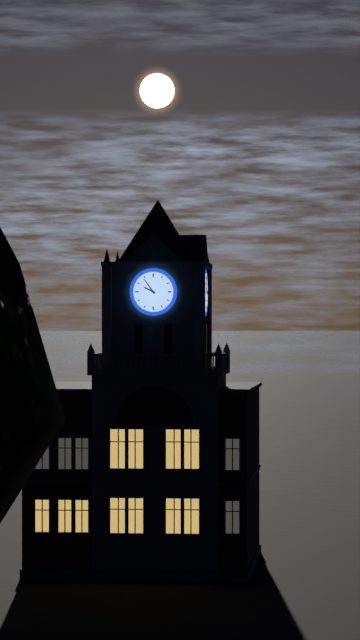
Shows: **9:54**
